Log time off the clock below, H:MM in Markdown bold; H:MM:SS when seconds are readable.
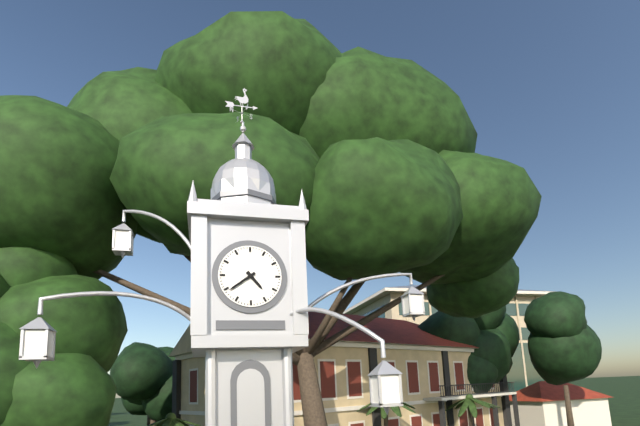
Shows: **4:39**
